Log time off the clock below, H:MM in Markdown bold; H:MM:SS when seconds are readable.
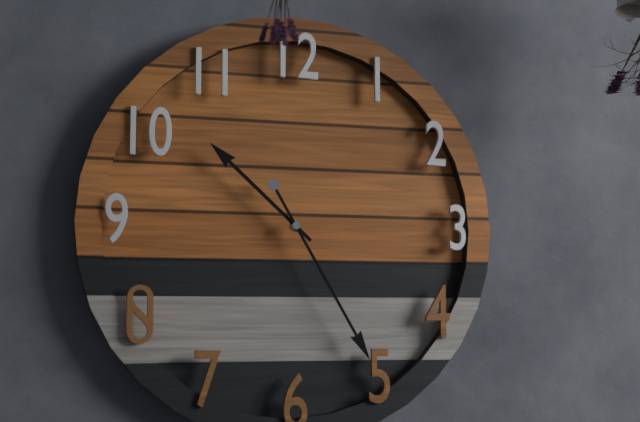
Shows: **10:25**
